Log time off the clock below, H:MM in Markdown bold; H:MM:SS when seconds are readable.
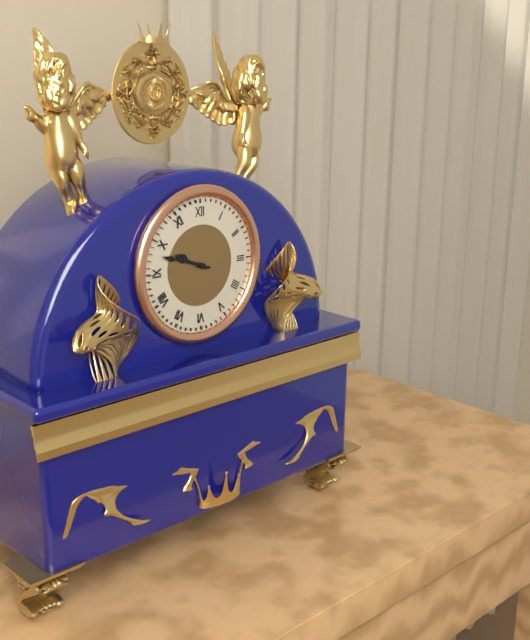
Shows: **9:48**
